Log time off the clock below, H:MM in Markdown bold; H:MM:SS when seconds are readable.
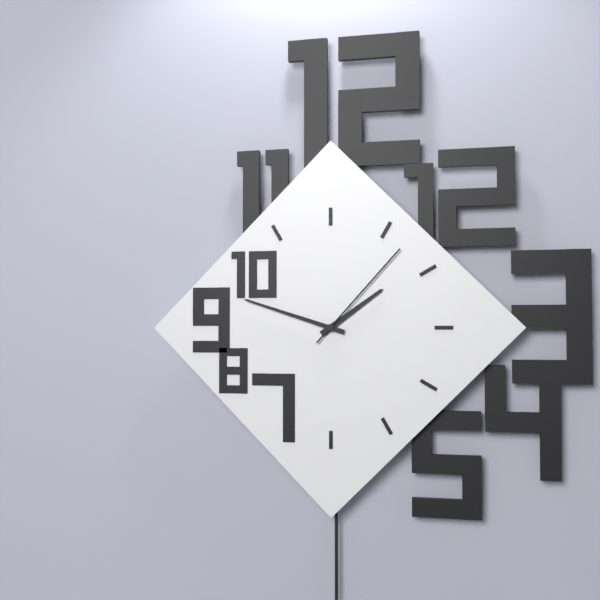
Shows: **1:48:07**
